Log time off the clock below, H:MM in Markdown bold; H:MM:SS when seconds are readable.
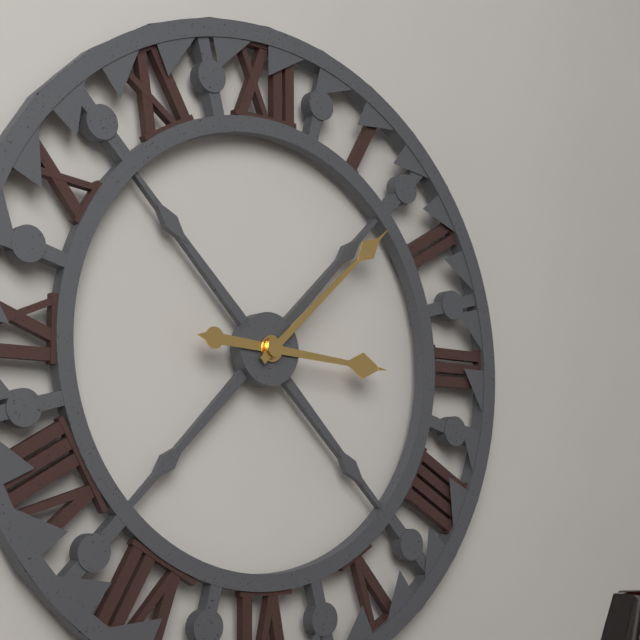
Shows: **3:08**
